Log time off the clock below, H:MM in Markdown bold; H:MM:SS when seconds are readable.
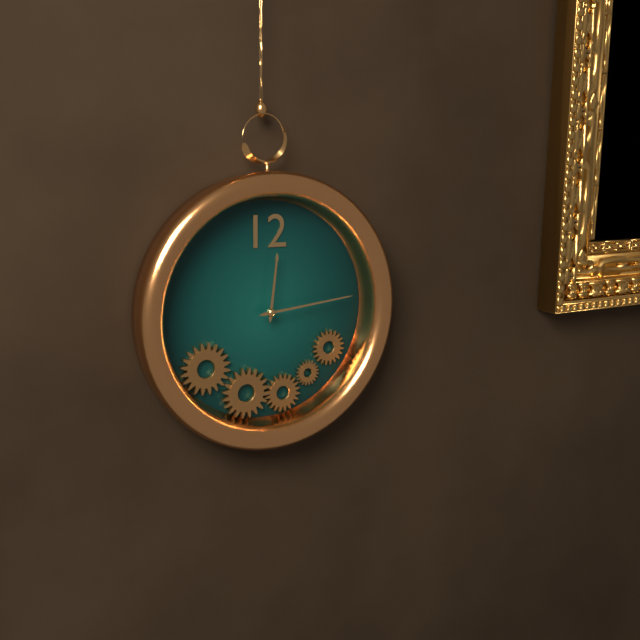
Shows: **12:14**
